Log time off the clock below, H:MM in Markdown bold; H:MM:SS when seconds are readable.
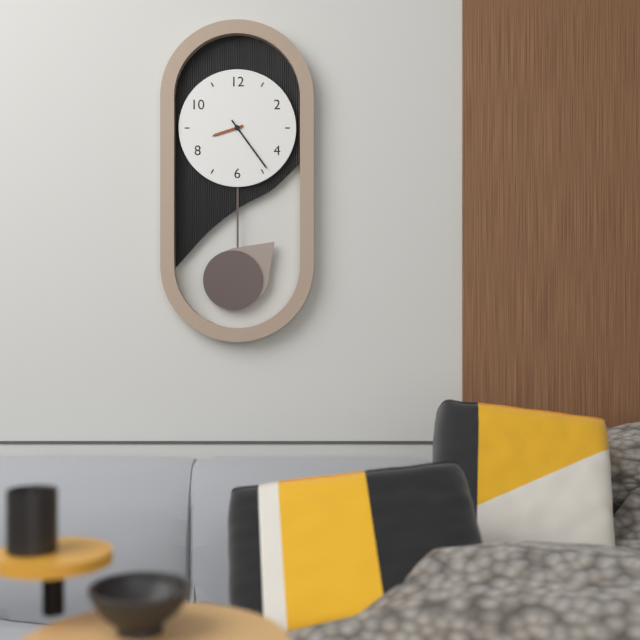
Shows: **8:24**
